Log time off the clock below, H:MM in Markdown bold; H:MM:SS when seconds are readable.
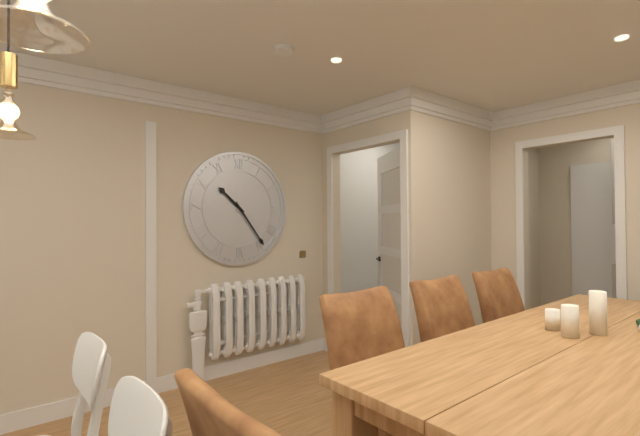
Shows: **10:24**
